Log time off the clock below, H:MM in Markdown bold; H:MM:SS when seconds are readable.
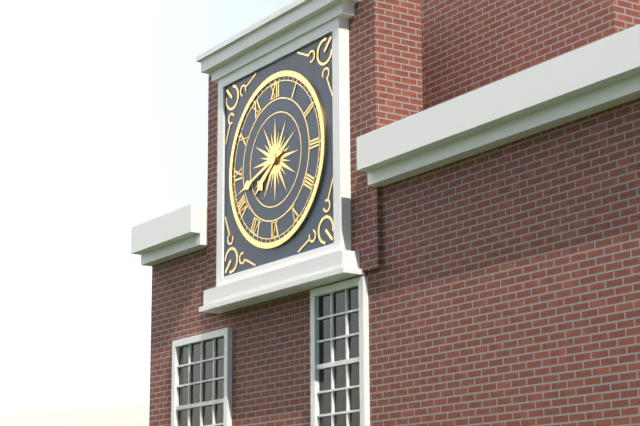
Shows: **7:42**
